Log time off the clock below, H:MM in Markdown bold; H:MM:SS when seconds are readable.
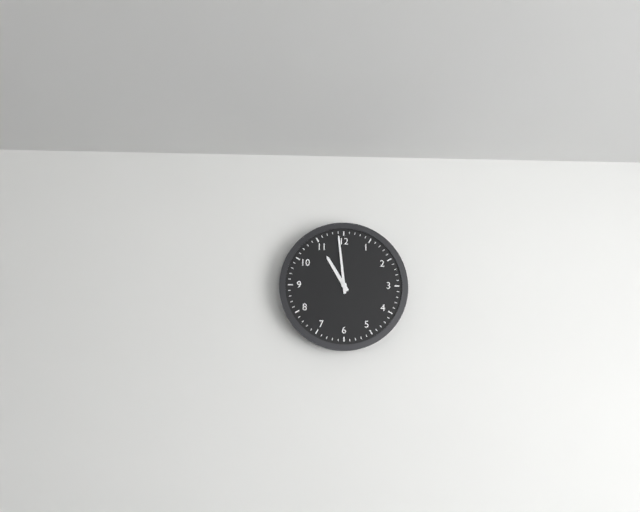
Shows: **10:59**
